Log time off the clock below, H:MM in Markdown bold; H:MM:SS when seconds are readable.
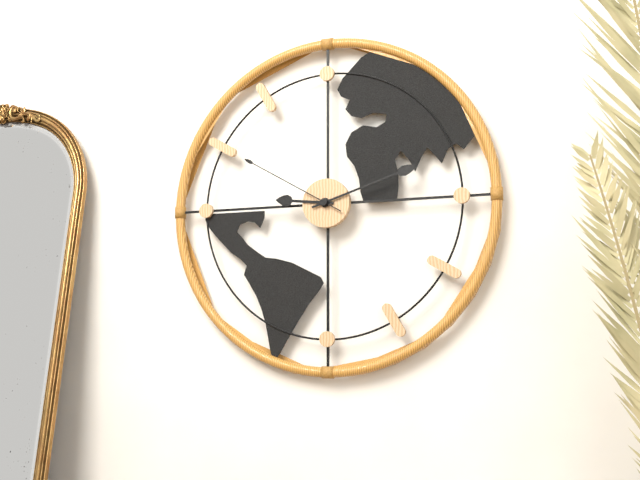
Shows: **9:12:50**
